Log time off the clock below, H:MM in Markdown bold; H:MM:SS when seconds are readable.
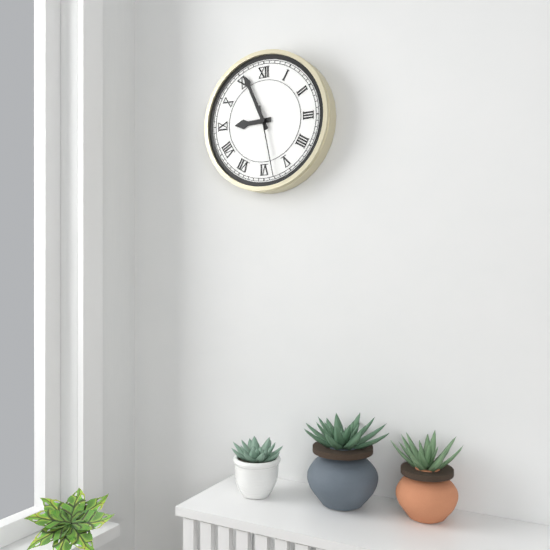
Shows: **8:56:28**
